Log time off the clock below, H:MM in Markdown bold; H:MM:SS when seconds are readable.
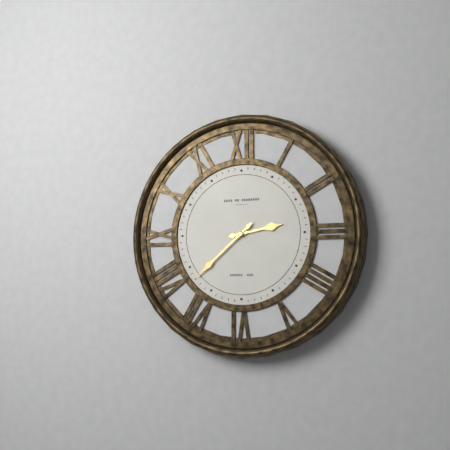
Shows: **2:38**
